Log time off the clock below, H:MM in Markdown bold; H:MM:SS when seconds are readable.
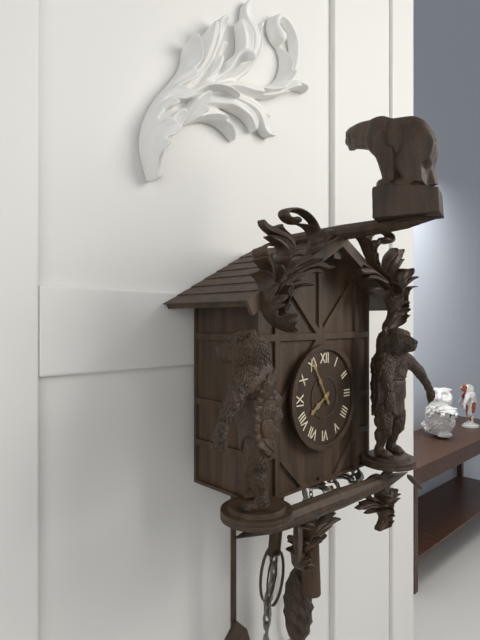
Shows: **7:55**
